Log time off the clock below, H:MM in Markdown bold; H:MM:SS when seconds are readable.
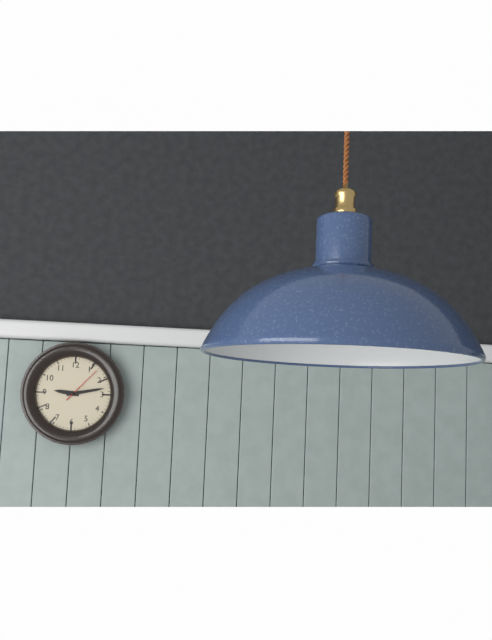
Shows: **9:13**
